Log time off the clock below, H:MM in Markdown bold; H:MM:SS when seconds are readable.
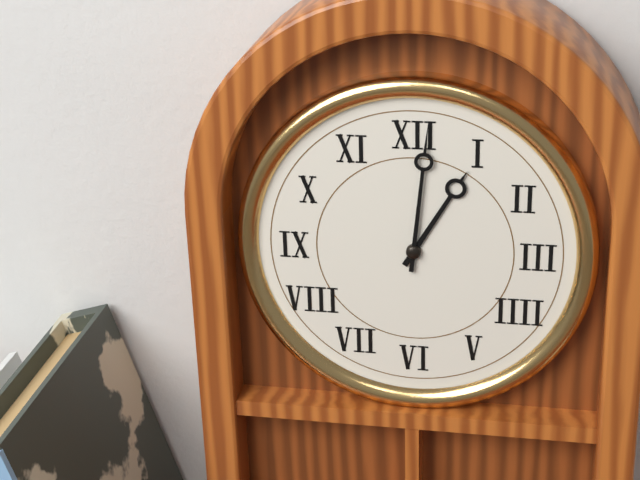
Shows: **1:01**
